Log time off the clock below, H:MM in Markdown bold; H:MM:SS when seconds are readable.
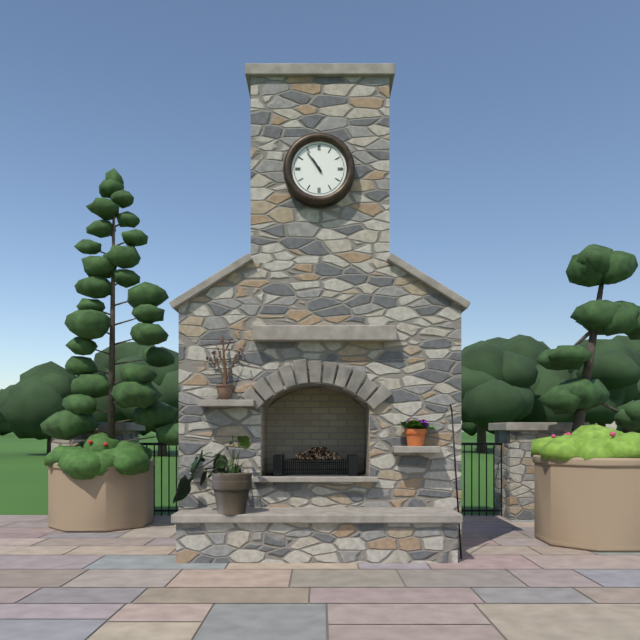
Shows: **10:54**
